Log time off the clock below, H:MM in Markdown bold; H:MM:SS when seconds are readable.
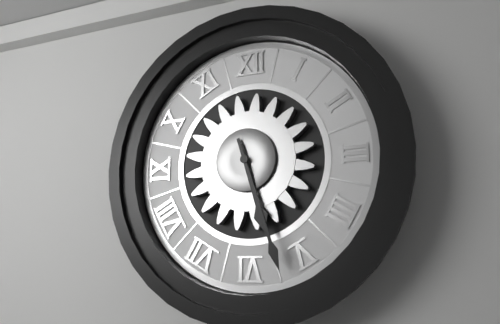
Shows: **5:27**
